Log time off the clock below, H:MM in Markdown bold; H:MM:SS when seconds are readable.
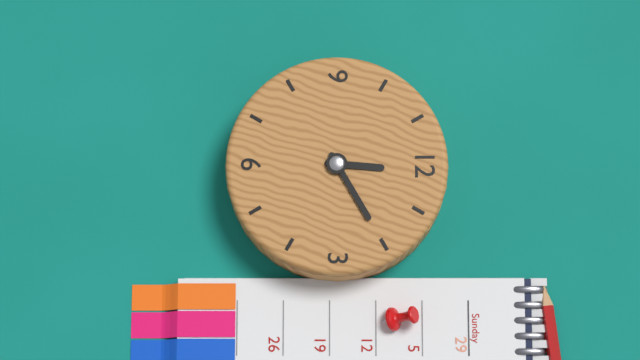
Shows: **12:10**
